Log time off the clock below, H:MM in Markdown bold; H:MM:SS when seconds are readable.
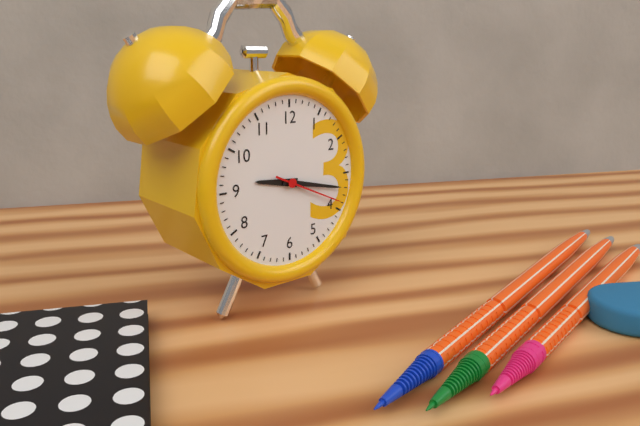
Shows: **9:17:19**
